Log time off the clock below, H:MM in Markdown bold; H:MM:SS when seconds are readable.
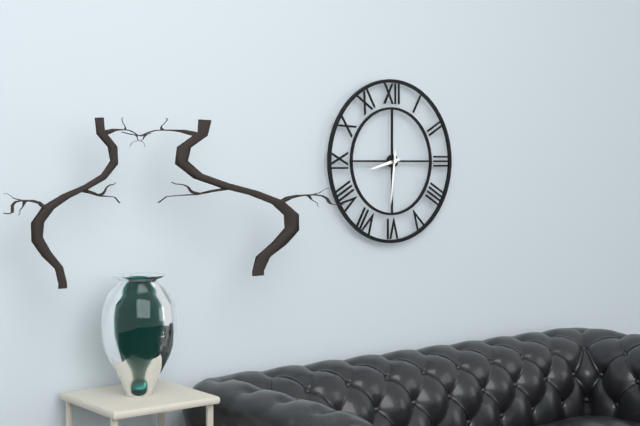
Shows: **8:31**
